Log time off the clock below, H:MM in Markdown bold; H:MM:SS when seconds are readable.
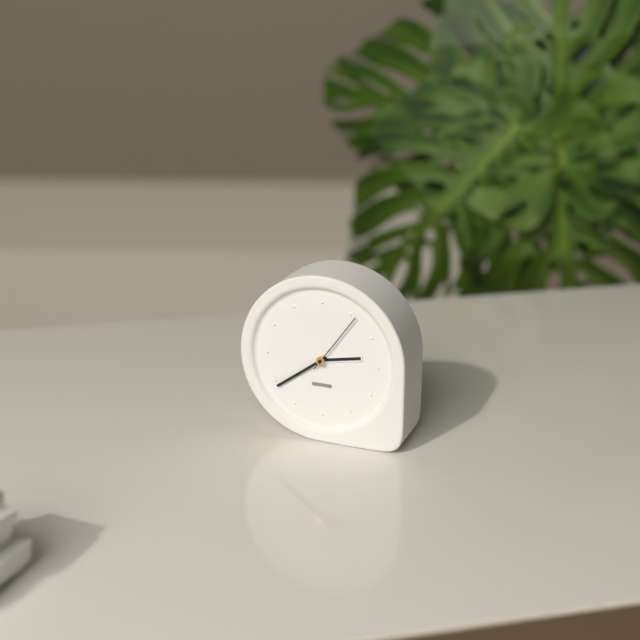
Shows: **2:39:06**
